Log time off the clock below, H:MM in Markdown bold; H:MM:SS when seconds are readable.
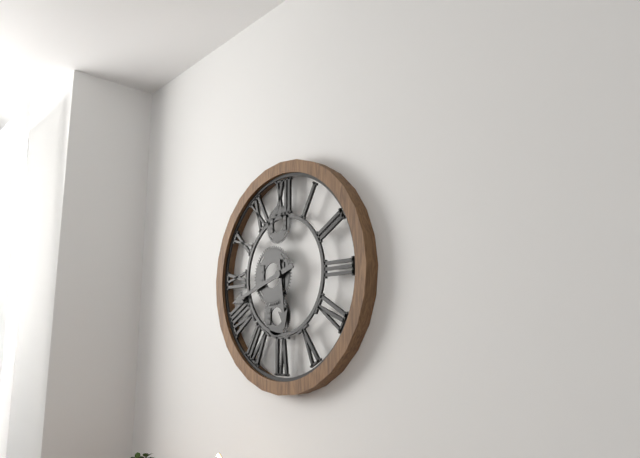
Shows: **5:42**
